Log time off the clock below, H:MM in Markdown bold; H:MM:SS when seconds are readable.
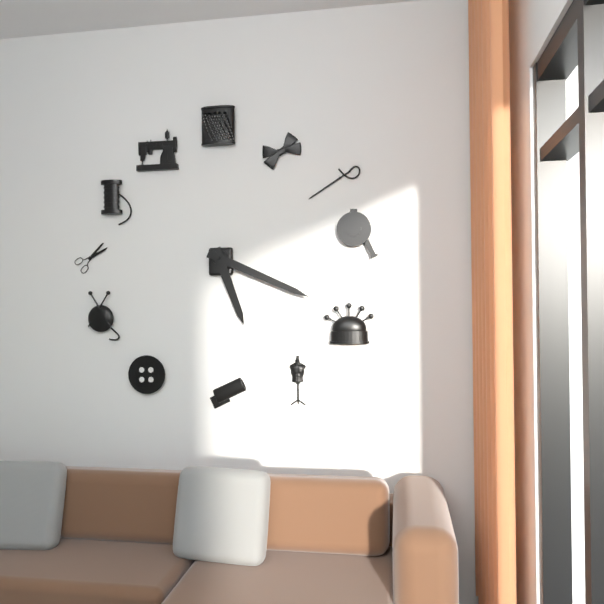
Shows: **5:19**
